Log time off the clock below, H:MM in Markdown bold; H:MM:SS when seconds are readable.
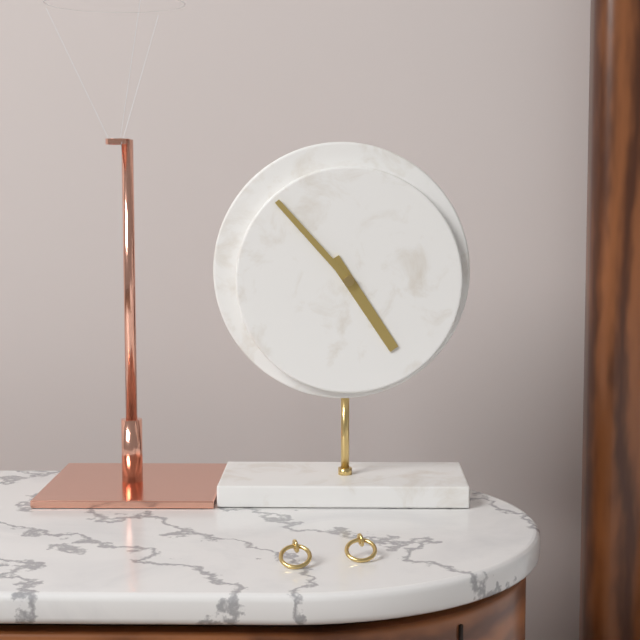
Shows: **4:53**
